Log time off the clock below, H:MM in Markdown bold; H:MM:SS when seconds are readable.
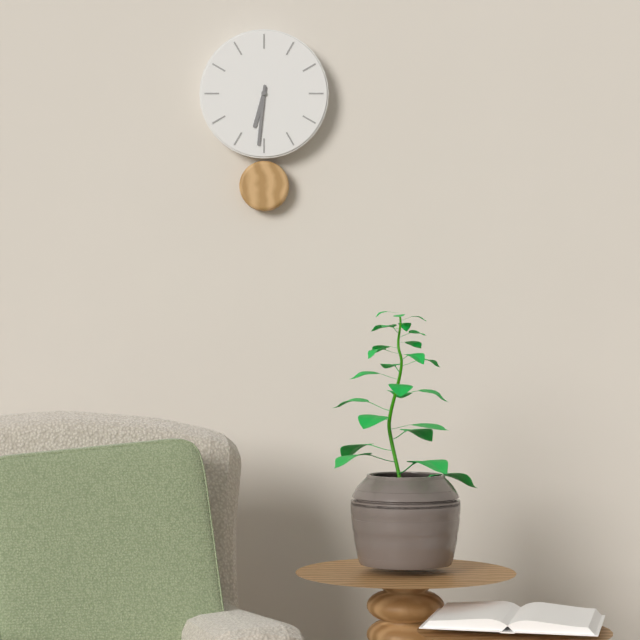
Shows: **6:31**
